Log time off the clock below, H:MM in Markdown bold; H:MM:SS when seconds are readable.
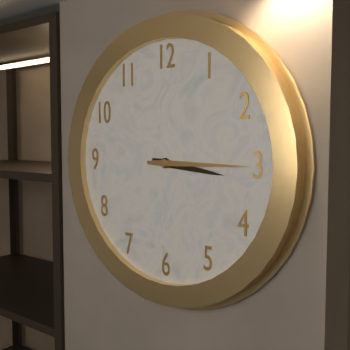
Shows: **3:15**
